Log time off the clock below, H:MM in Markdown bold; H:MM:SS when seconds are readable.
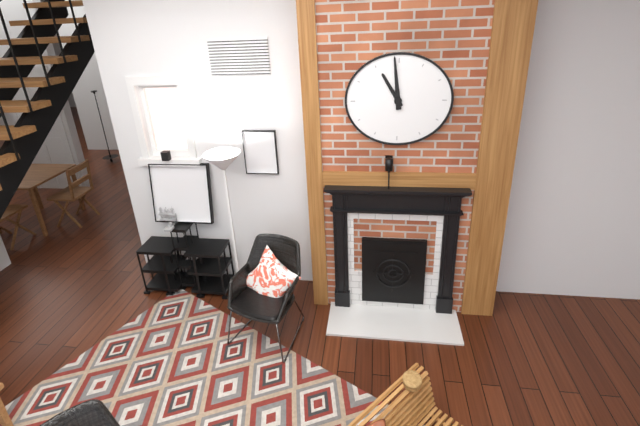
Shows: **10:59**
